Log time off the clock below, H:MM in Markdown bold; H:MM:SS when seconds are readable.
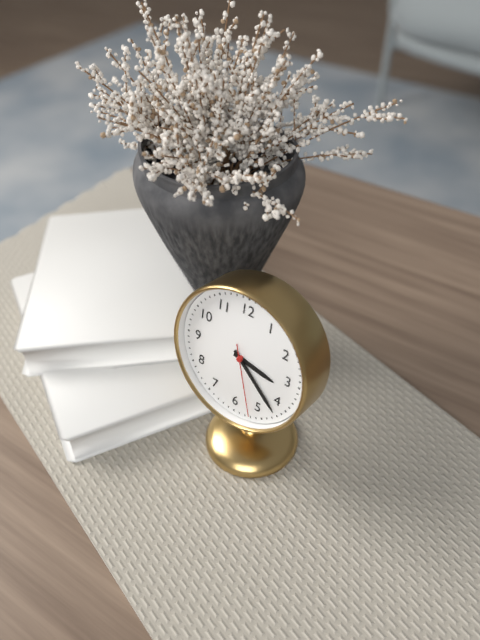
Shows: **3:22:27**
